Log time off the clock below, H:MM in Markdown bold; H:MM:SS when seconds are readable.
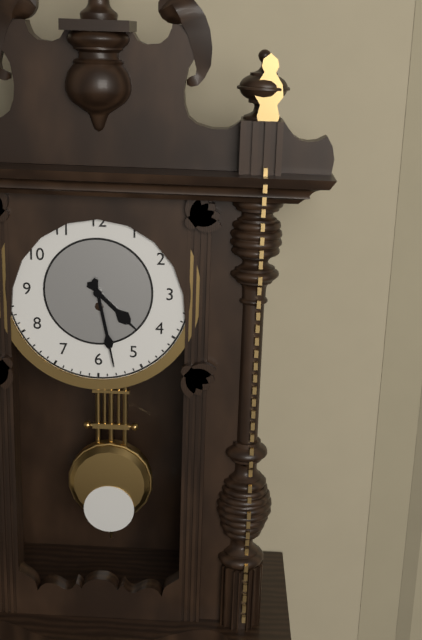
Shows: **4:28**
